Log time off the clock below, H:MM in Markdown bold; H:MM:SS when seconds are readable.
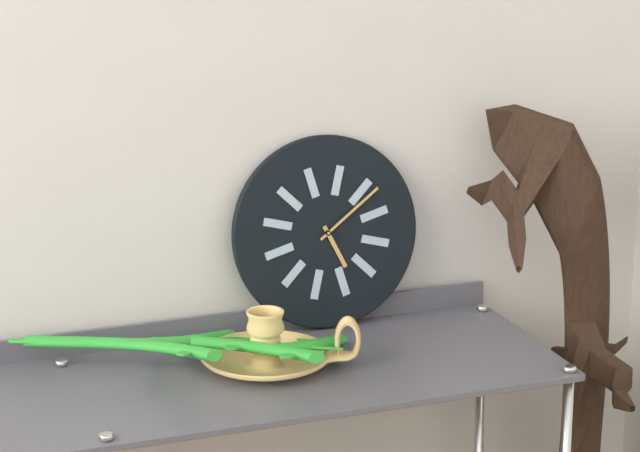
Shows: **5:09**
